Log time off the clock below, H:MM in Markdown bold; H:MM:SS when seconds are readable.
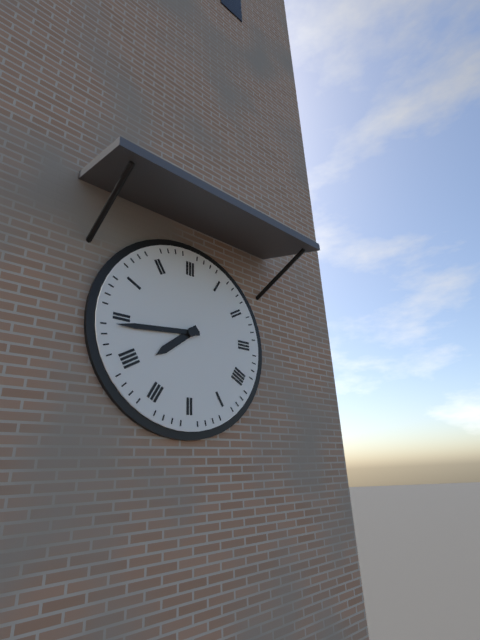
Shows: **7:44**
